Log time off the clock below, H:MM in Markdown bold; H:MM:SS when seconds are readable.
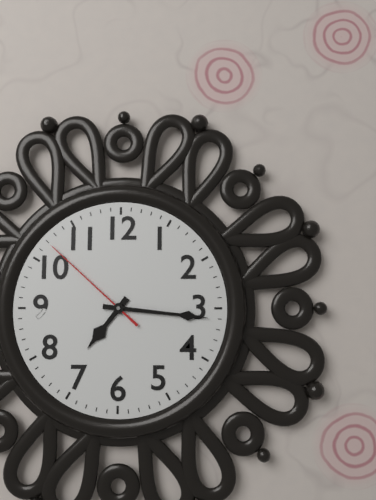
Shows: **7:16:52**
